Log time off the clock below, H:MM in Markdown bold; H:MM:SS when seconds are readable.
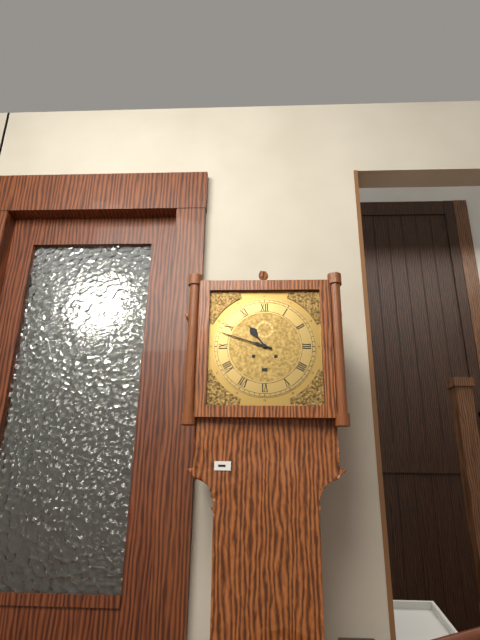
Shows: **10:48**
